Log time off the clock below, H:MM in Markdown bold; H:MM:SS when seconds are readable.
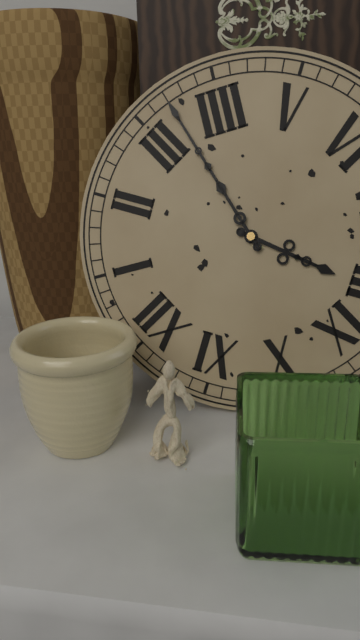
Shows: **8:17**
